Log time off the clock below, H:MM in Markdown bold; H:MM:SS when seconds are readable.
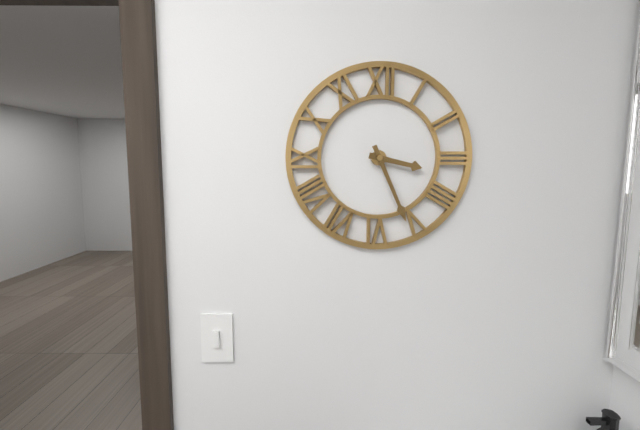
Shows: **3:26**
